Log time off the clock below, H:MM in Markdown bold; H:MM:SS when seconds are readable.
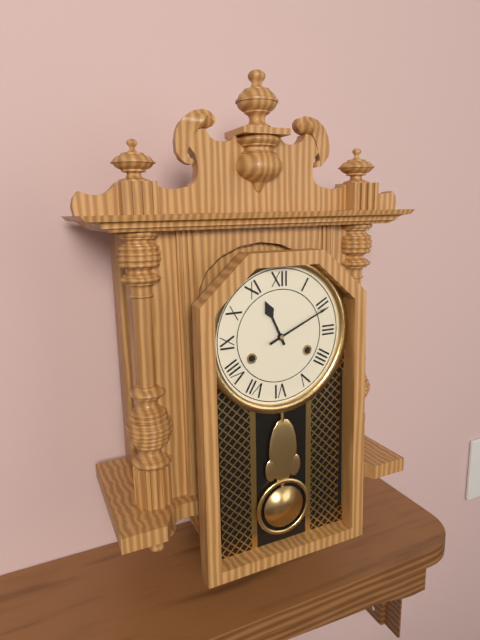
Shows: **11:11**
